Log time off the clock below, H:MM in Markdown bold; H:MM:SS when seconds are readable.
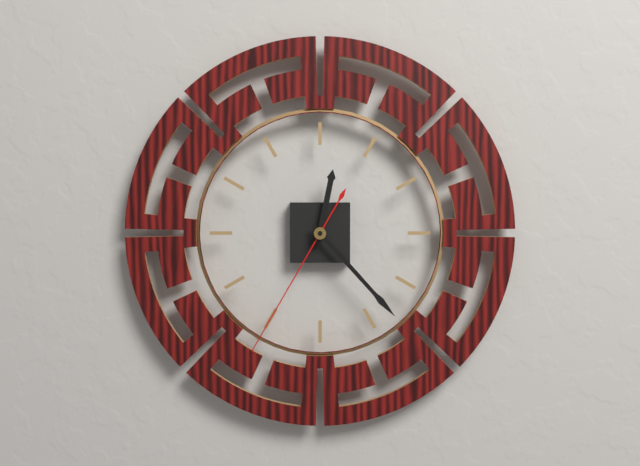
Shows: **12:23:35**
